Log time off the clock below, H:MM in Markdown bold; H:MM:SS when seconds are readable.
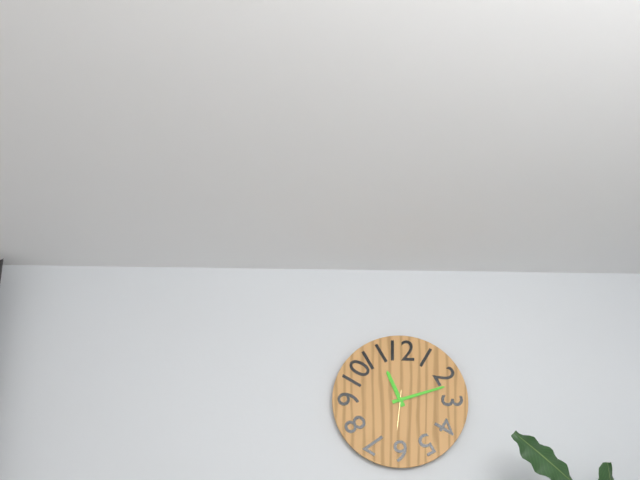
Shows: **11:12**
